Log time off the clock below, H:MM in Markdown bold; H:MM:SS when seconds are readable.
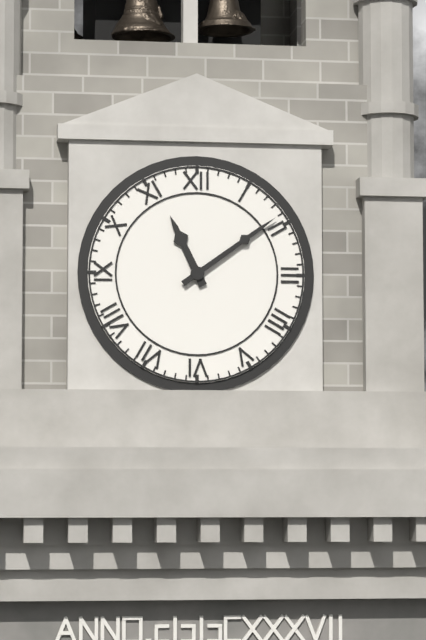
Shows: **11:09**
